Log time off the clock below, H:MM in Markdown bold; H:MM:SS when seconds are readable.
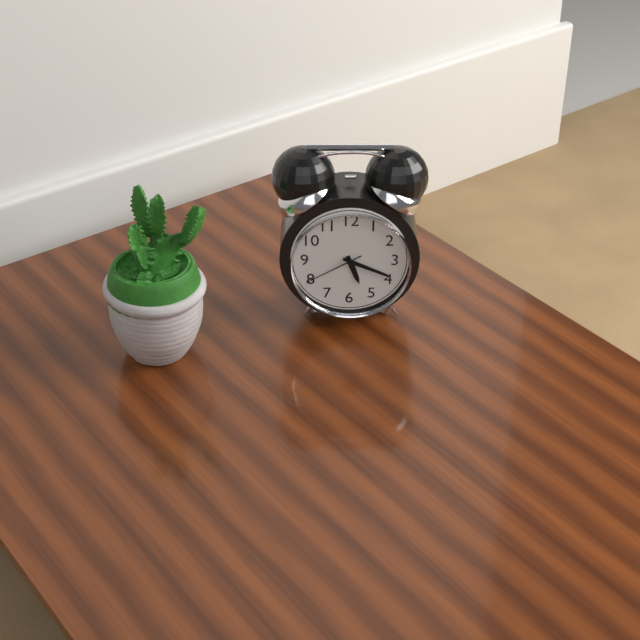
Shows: **5:19:40**
